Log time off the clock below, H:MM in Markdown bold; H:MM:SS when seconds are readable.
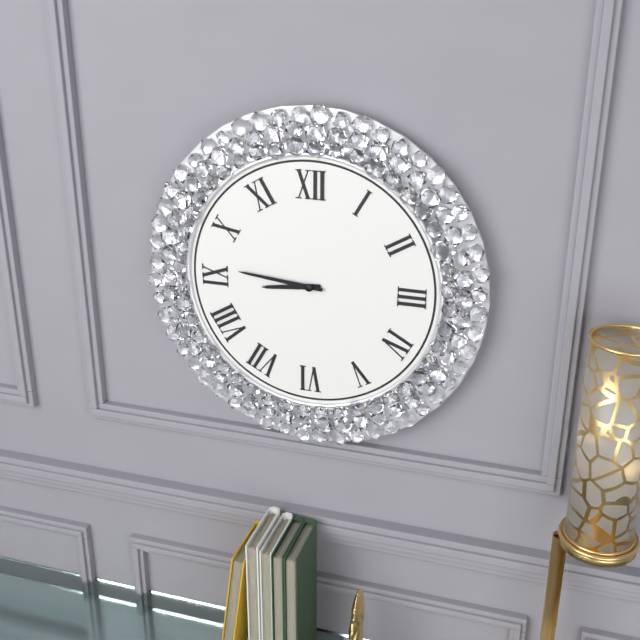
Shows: **8:46**
